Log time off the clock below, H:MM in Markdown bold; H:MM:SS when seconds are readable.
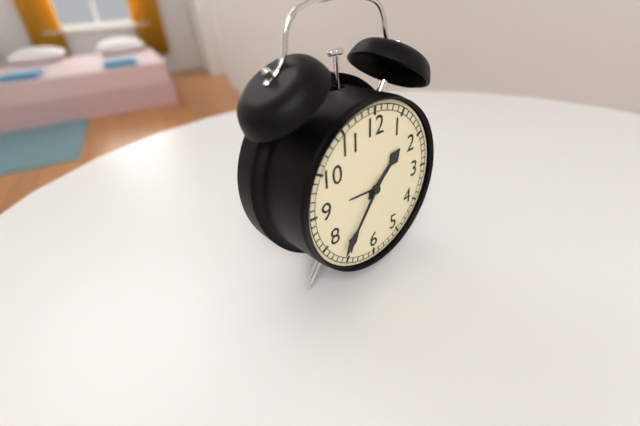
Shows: **1:36**
